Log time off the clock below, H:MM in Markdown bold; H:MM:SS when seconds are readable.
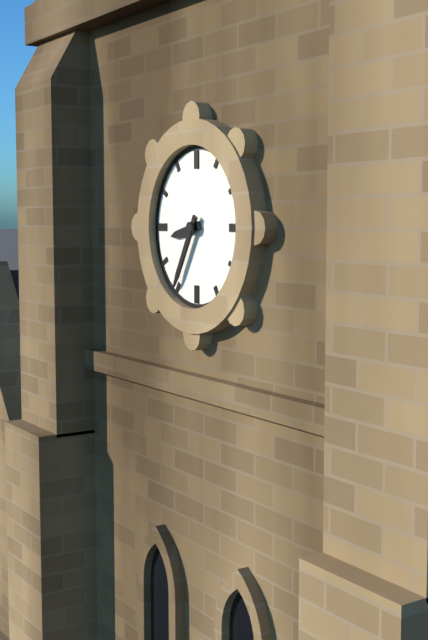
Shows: **8:35**
